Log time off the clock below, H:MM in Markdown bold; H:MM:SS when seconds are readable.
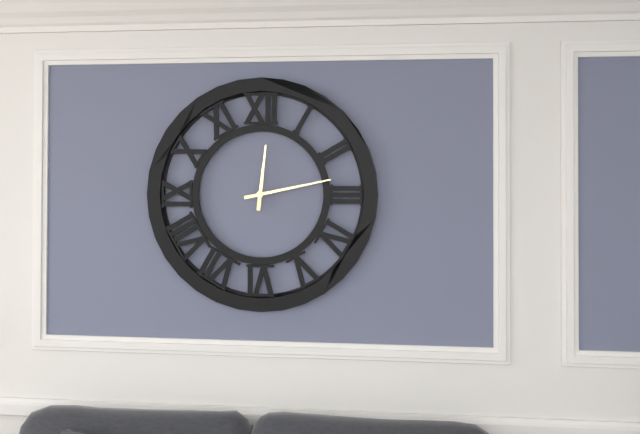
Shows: **12:13**
